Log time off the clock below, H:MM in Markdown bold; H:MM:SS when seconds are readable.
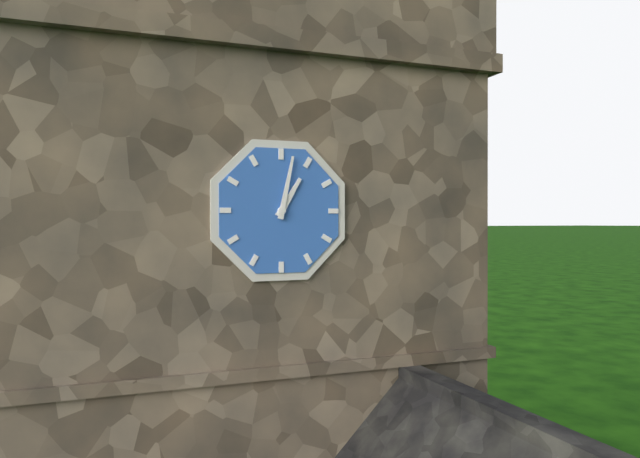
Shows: **1:02**
